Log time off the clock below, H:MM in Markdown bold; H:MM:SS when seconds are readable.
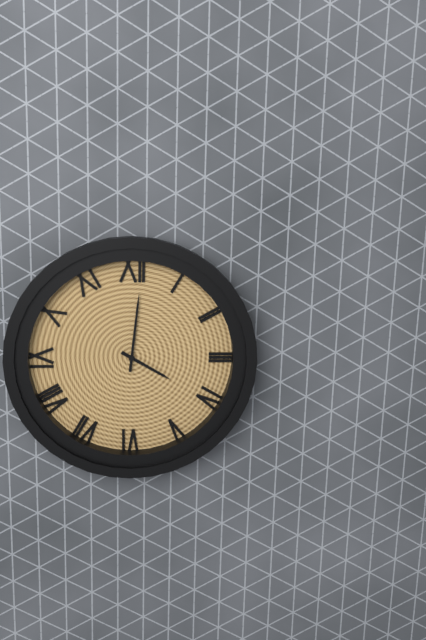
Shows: **4:01**
